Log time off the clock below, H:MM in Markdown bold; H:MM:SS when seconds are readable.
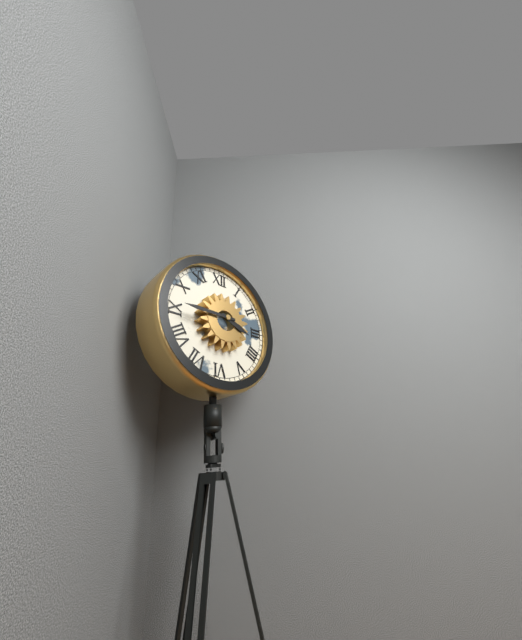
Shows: **3:45**
